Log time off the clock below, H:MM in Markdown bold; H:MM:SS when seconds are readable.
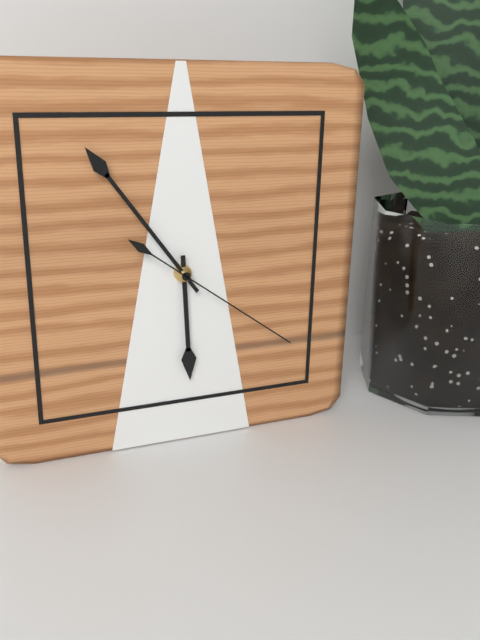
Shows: **5:54:21**
